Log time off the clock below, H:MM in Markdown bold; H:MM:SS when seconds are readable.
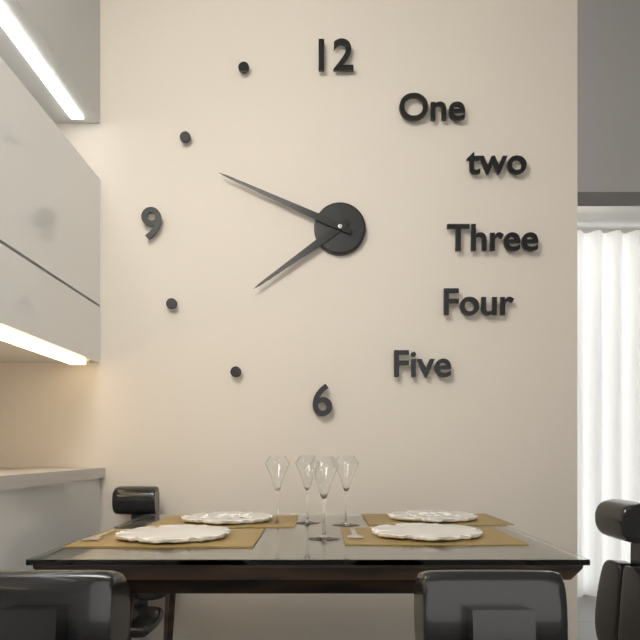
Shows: **7:49**
